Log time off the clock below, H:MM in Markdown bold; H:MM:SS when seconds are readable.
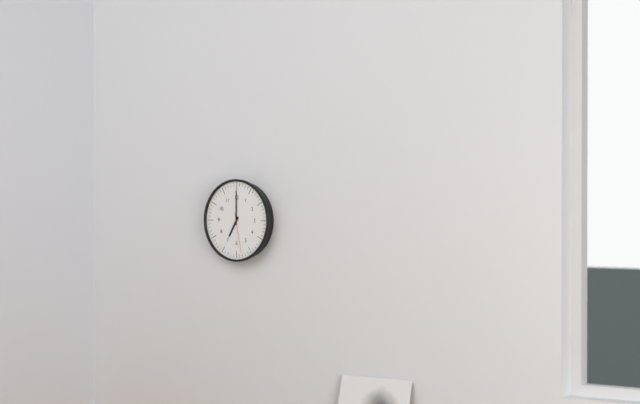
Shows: **7:00**
